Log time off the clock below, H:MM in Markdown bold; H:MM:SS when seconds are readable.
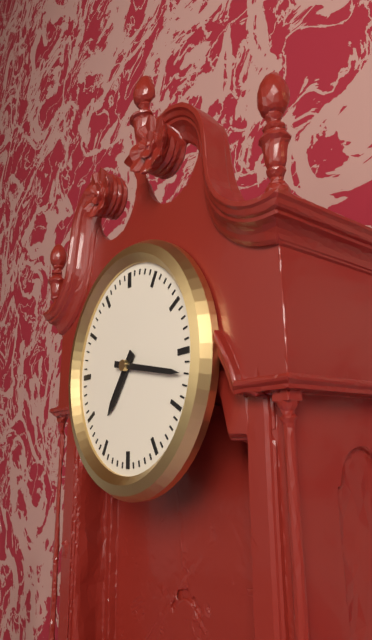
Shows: **7:17**
